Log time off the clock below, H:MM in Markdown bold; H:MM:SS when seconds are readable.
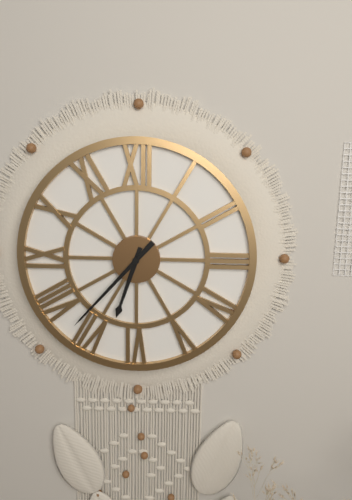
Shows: **6:37**
